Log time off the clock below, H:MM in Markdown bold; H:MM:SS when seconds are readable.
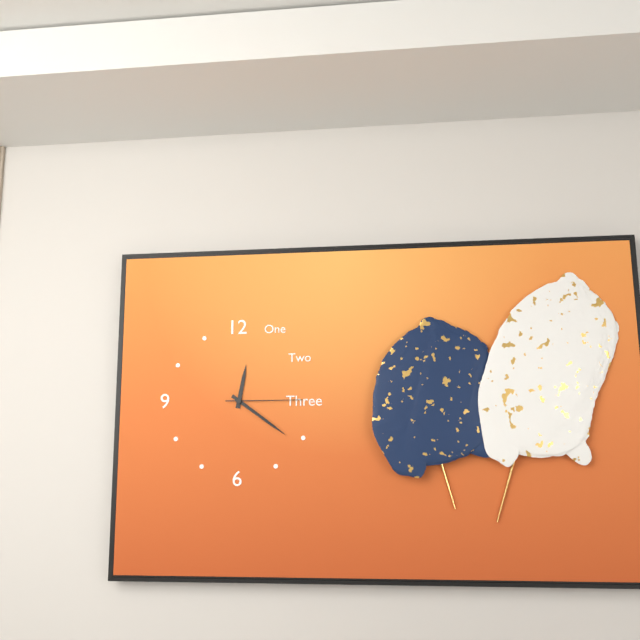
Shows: **12:21:15**
